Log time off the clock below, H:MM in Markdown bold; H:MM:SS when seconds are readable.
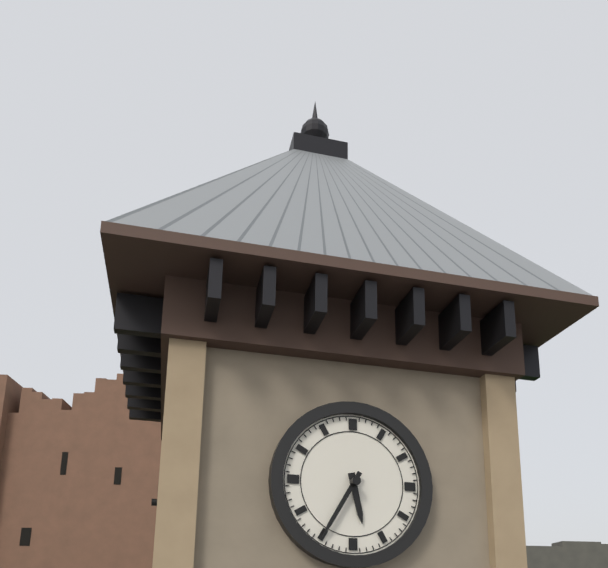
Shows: **5:35**
